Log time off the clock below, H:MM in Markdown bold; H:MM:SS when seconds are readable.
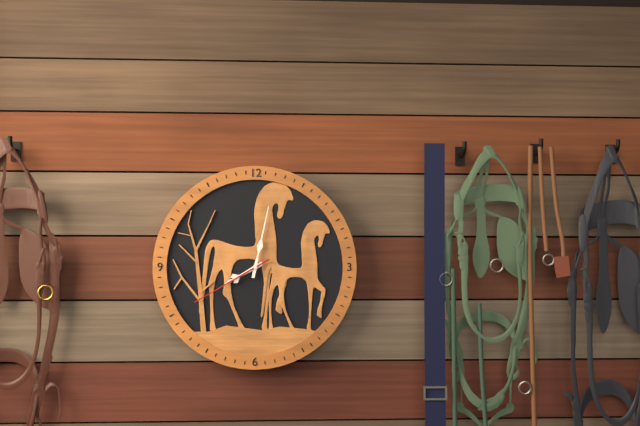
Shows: **8:02:40**
